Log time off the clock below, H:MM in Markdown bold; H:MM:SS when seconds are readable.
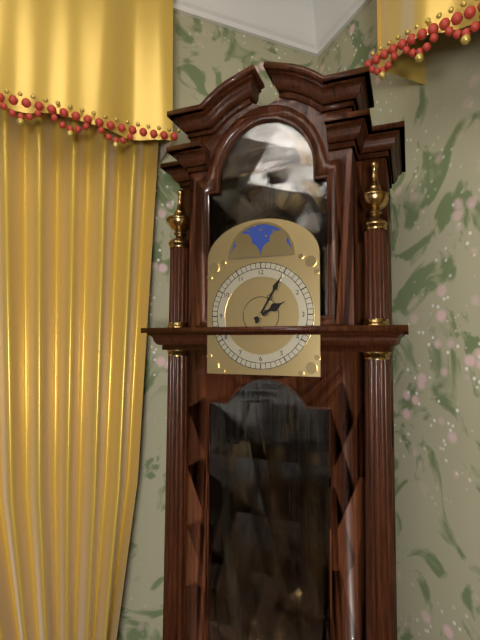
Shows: **2:05**
